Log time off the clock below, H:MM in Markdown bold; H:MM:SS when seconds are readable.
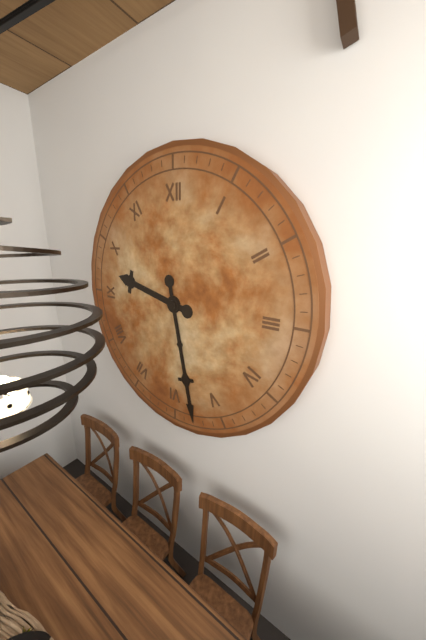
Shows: **9:28**
